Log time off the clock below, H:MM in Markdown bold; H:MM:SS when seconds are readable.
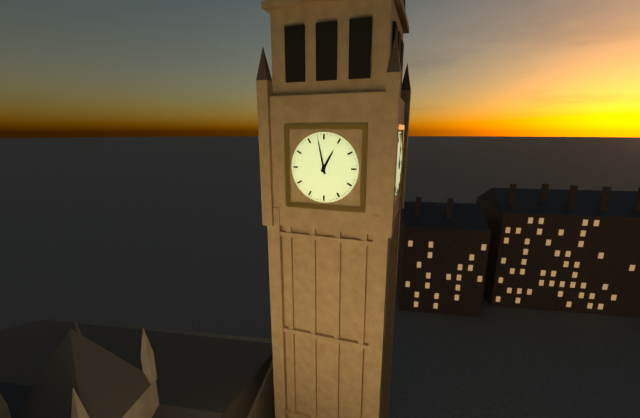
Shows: **12:58**
